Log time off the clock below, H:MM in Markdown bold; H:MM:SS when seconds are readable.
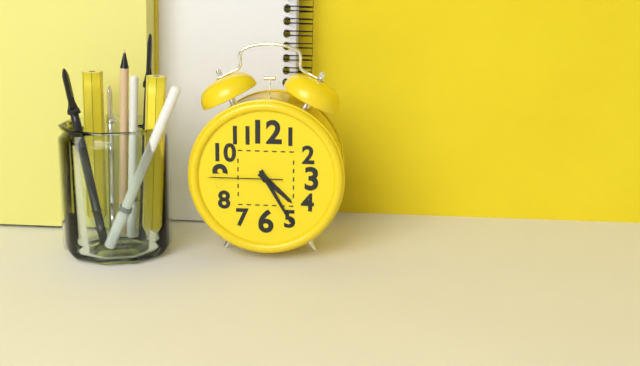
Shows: **4:25:45**
